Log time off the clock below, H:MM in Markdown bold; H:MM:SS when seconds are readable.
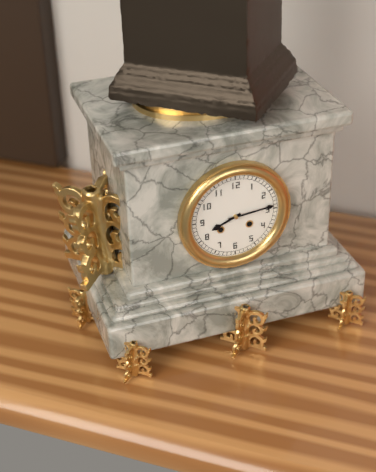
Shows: **8:14**
